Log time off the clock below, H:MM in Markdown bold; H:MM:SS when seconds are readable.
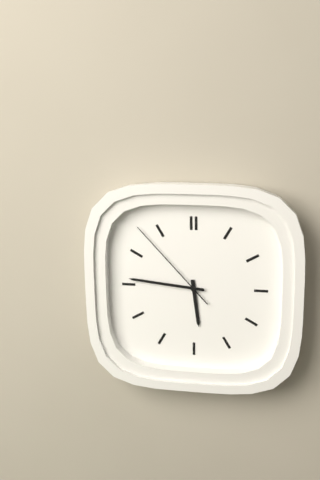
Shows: **5:46:53**
